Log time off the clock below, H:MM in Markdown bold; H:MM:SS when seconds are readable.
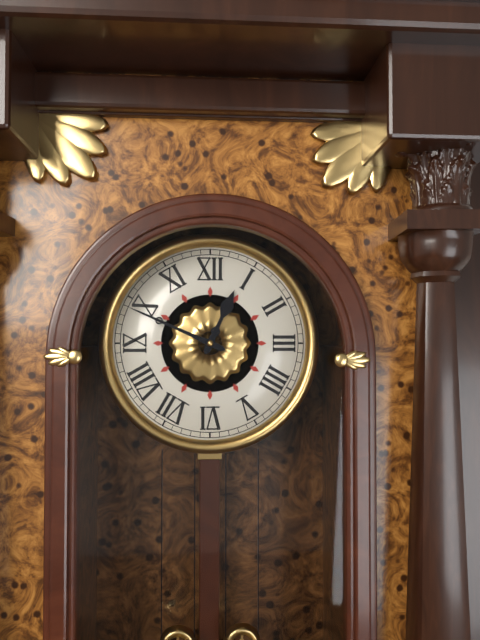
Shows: **12:49**
